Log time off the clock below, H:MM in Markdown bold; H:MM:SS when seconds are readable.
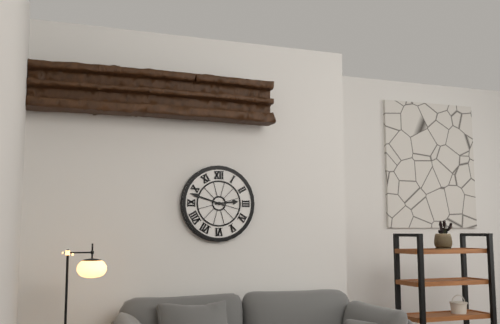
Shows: **2:48**
